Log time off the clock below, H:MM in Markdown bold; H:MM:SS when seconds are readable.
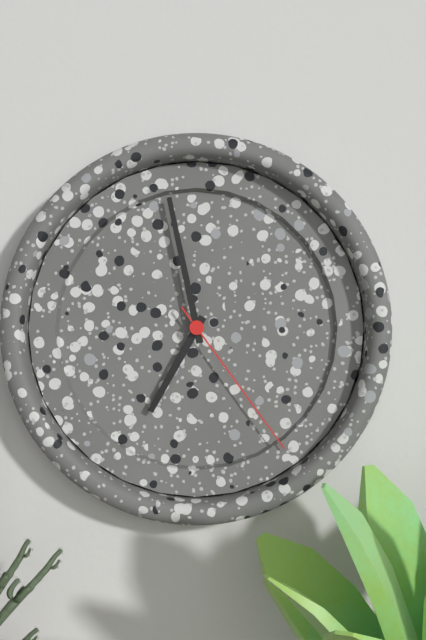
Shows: **6:58:24**
